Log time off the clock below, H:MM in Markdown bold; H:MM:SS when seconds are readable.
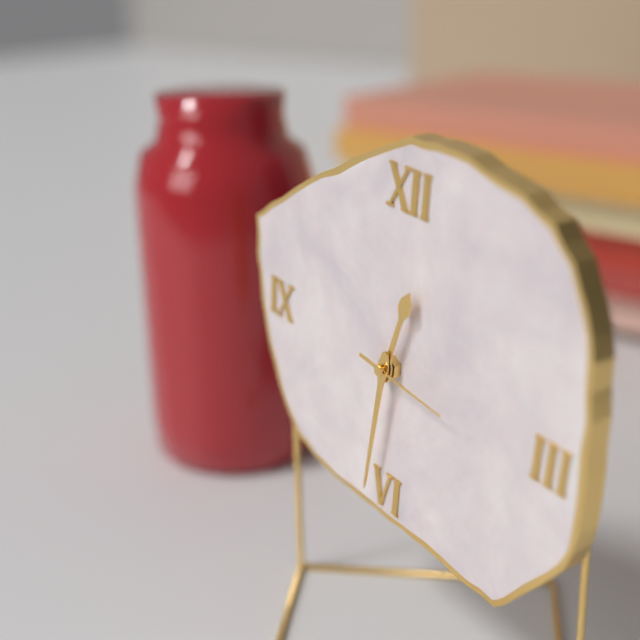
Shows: **12:31:16**
